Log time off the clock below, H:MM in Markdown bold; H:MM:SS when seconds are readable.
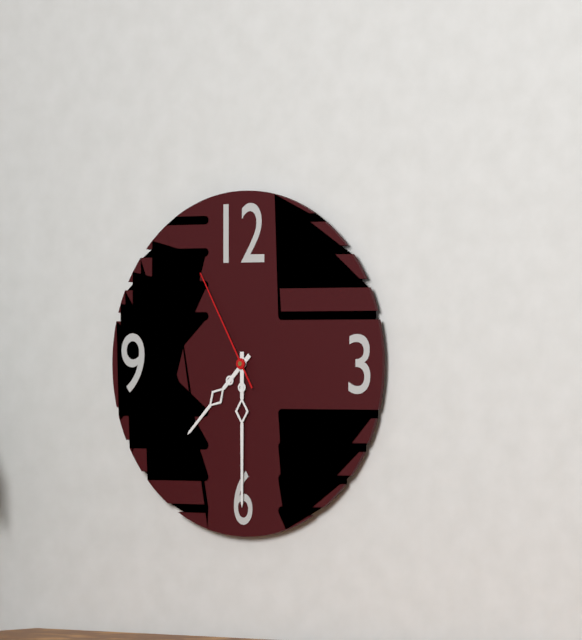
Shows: **7:30:55**
